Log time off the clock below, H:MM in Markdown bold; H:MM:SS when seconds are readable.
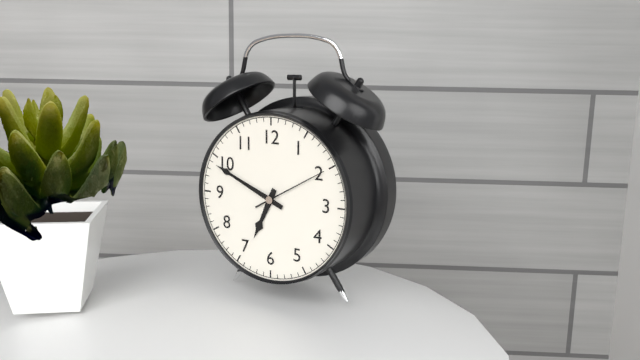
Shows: **6:49:10**
